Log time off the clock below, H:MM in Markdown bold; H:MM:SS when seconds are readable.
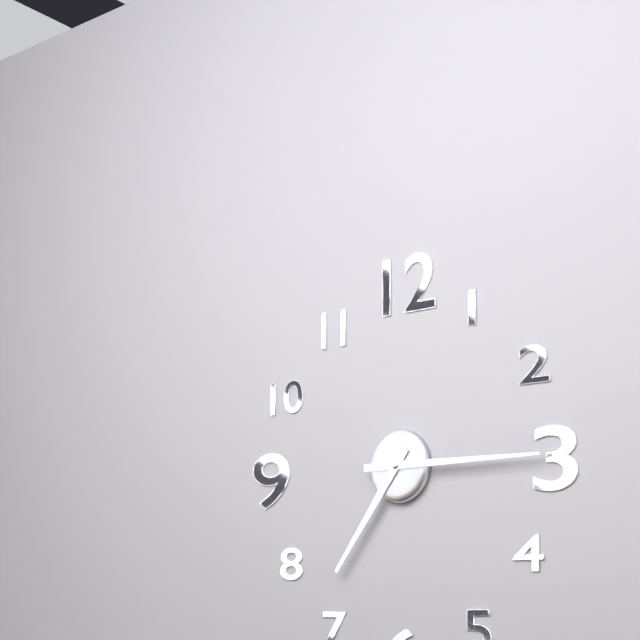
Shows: **7:15**
